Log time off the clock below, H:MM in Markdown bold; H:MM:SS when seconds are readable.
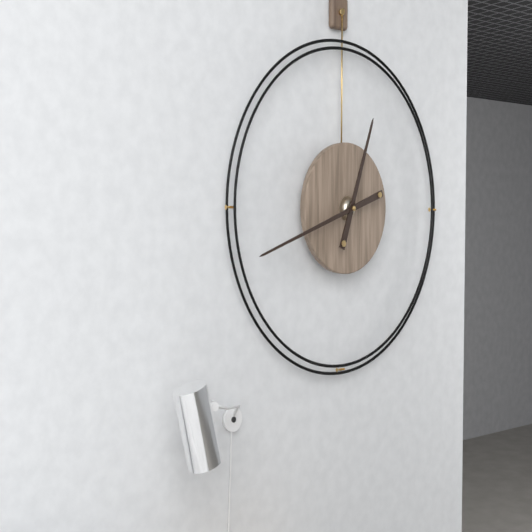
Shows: **12:42**
